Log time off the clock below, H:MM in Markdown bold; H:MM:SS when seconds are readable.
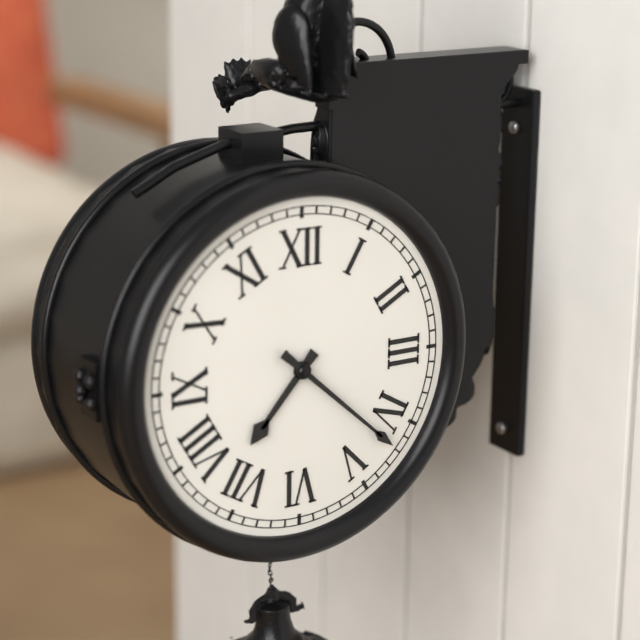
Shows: **7:22**
